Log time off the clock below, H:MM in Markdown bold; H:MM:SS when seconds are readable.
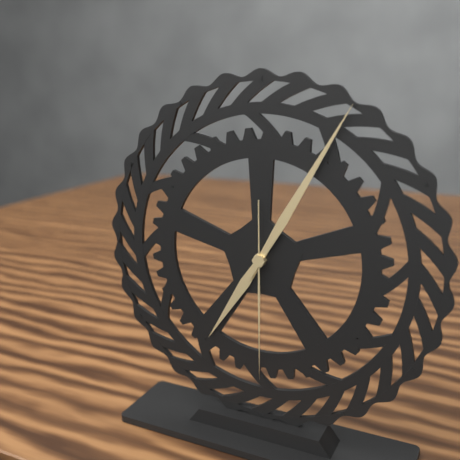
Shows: **7:05:30**
